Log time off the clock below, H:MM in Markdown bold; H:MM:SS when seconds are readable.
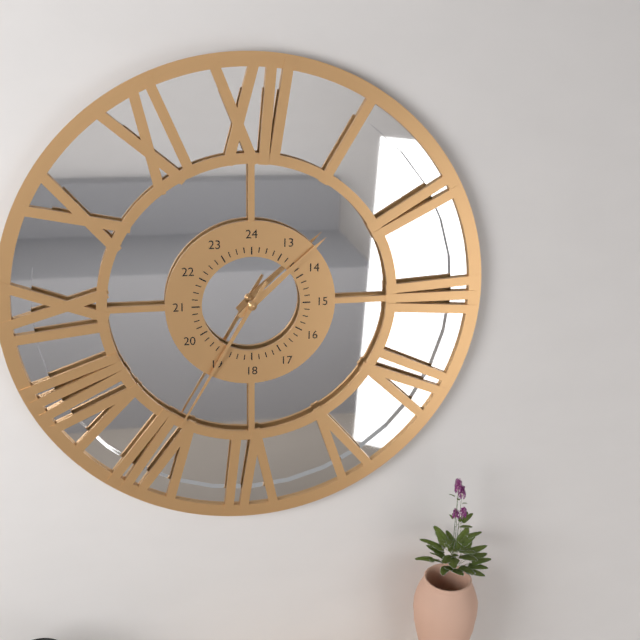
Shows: **1:35**
